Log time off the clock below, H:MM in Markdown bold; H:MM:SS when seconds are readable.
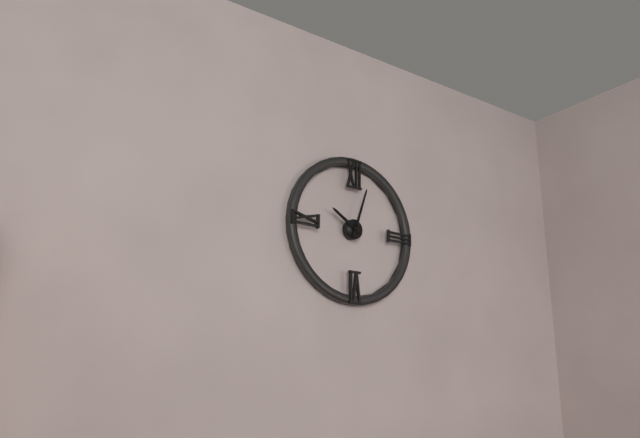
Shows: **10:03**
